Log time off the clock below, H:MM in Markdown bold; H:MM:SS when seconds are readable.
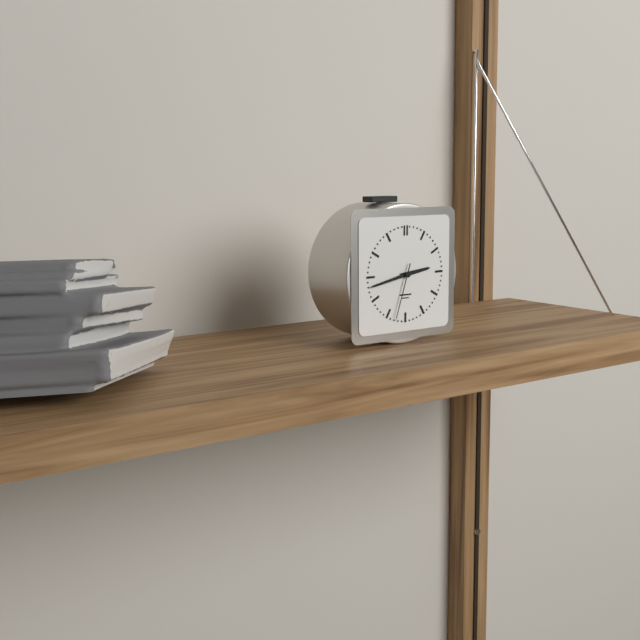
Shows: **2:43:33**
